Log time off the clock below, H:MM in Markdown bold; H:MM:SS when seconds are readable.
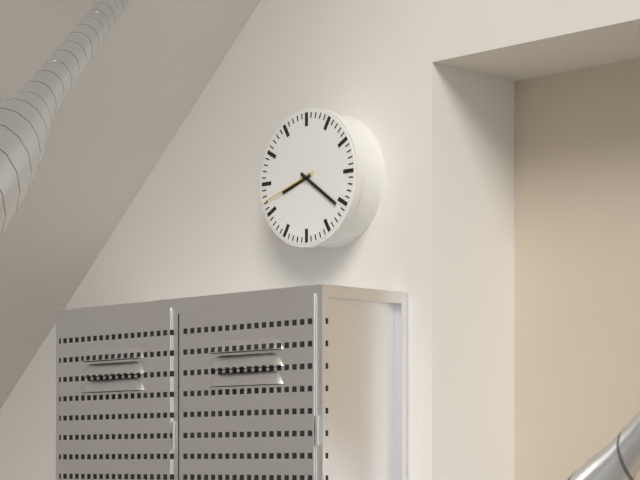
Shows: **8:21:42**
